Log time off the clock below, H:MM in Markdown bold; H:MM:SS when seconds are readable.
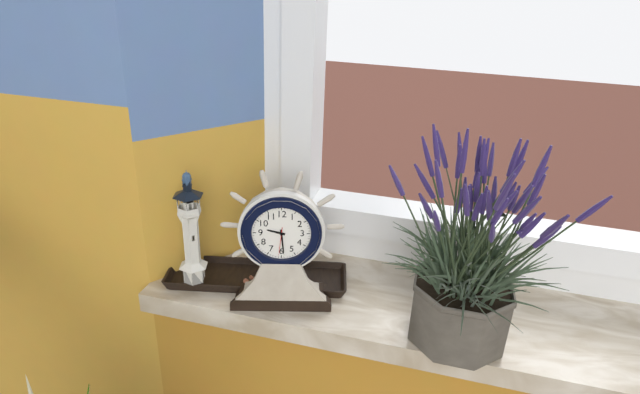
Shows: **9:29**
